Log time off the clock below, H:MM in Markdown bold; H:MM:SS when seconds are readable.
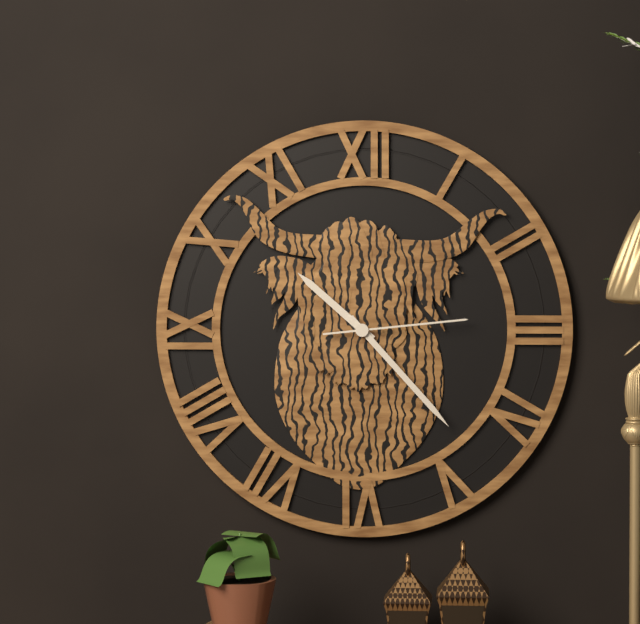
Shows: **10:23:14**
